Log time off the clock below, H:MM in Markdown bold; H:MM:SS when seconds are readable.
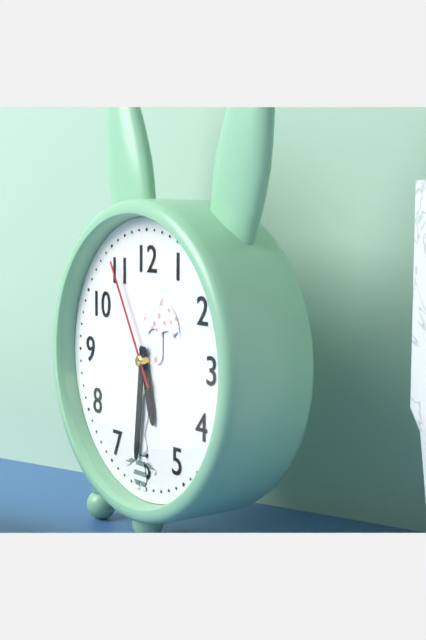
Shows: **5:31:55**
